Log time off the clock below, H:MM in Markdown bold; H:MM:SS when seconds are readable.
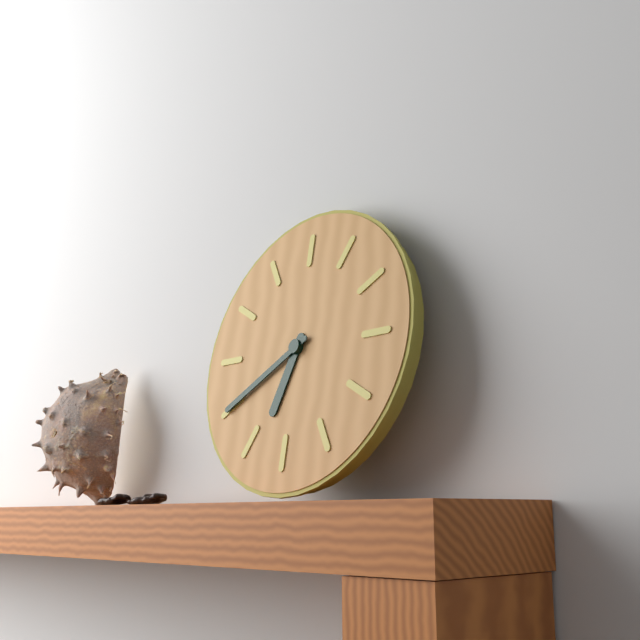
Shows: **6:40**
